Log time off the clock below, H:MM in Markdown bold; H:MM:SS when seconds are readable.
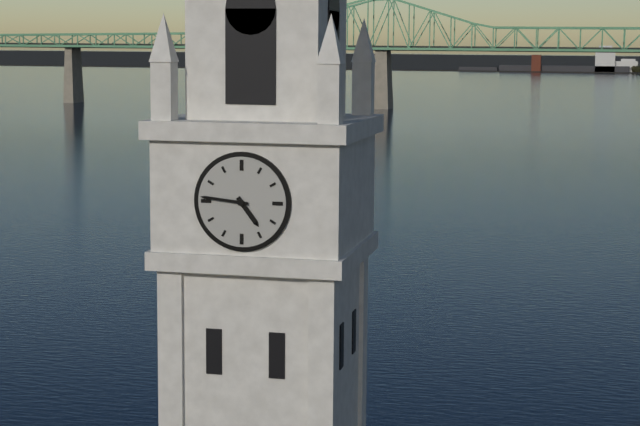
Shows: **4:46**
